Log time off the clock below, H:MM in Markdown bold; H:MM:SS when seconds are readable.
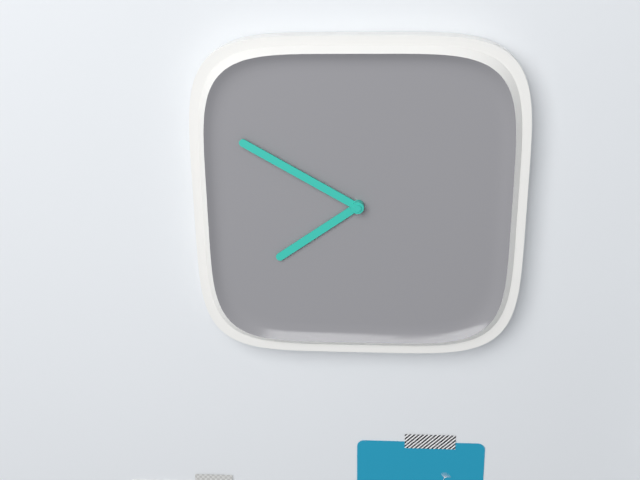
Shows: **7:50**
